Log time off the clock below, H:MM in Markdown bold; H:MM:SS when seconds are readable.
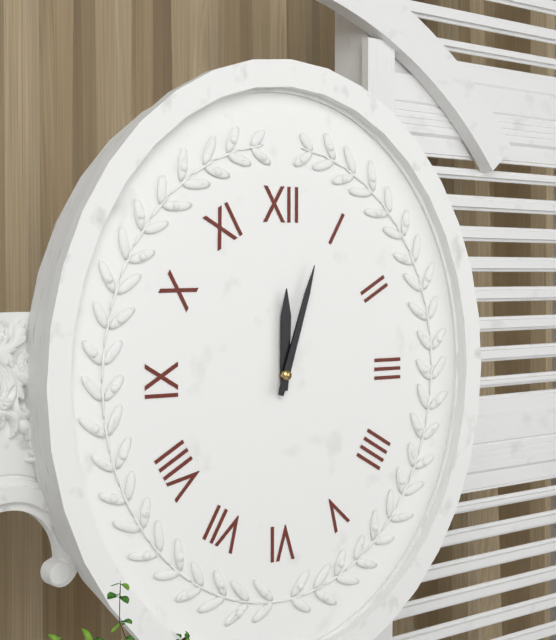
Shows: **12:03**
